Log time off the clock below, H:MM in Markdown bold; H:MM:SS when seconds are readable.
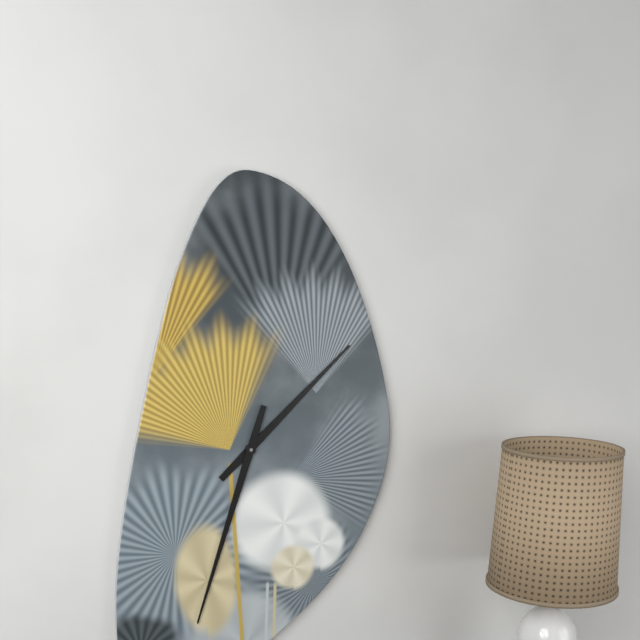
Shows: **1:33**
